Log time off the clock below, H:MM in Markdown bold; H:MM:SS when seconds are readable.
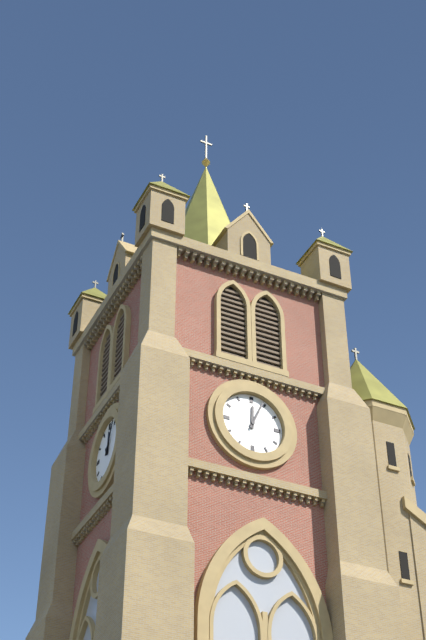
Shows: **12:04**
